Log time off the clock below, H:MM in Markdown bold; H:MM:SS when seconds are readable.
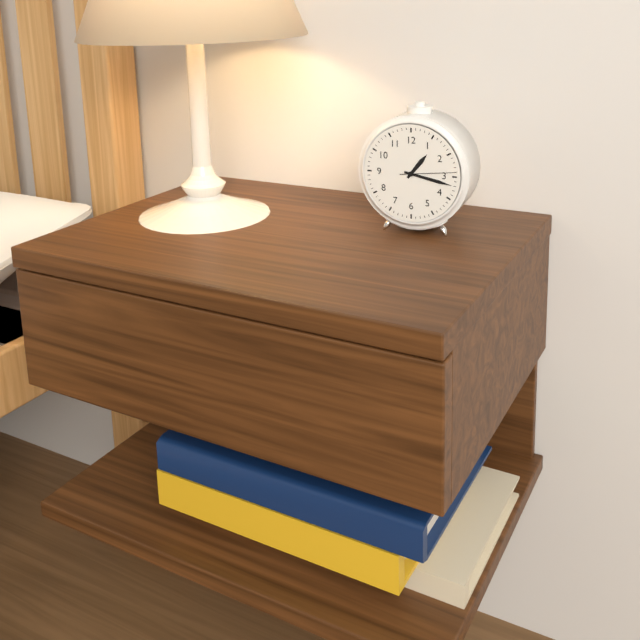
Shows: **1:17:14**
